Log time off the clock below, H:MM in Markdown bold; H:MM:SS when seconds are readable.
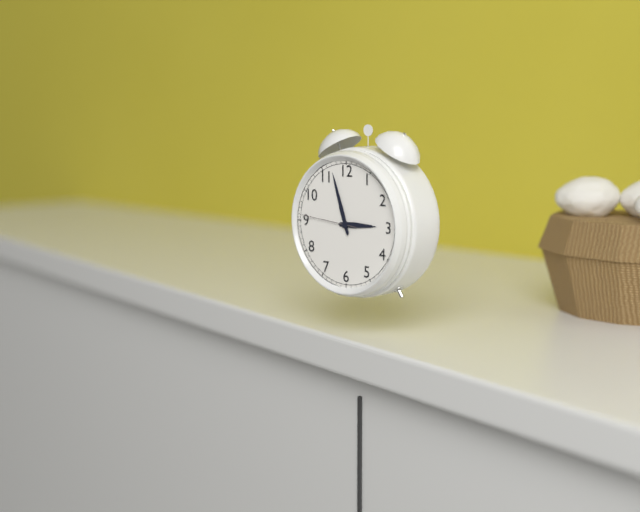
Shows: **2:57:46**
